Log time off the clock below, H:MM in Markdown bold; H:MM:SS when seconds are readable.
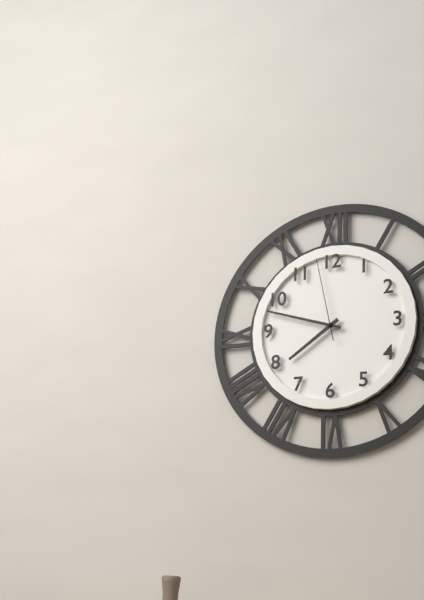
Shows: **7:48:58**
